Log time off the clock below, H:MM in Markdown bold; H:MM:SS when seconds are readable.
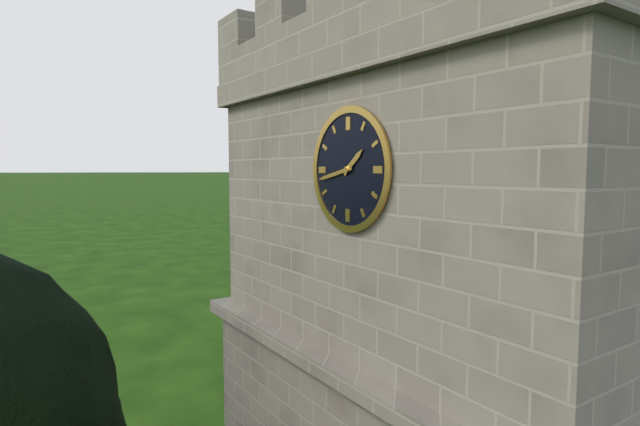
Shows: **1:43**
